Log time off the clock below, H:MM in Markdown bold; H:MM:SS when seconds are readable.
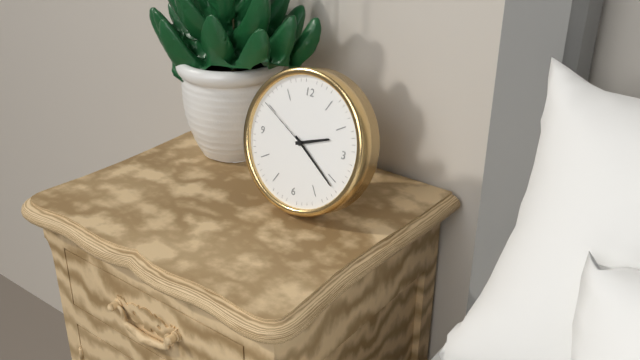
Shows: **2:21:50**
